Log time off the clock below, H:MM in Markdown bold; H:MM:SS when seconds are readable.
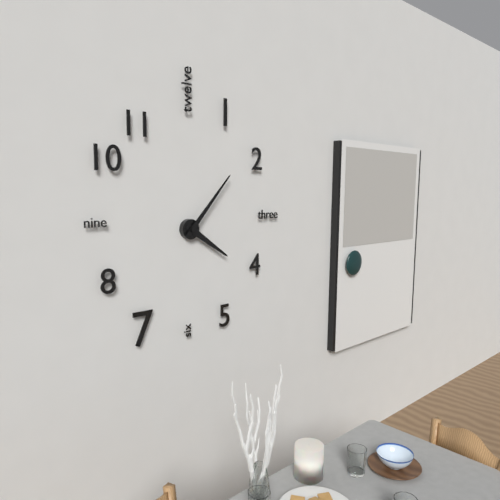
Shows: **4:07**
